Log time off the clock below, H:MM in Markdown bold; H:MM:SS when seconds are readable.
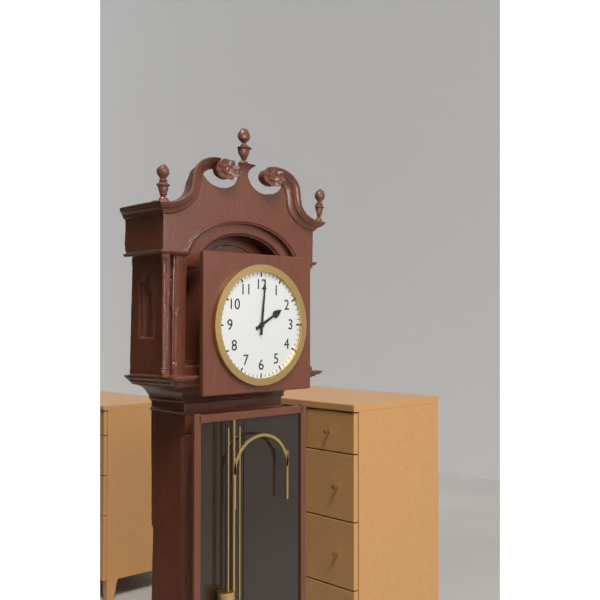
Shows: **2:01**
